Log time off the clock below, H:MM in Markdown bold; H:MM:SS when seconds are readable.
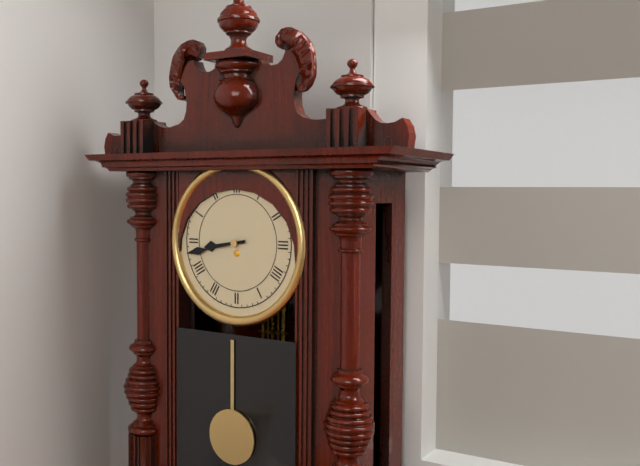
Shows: **8:43**
